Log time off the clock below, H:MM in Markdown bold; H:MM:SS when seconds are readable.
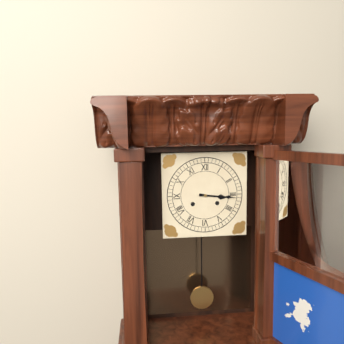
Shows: **3:16**
